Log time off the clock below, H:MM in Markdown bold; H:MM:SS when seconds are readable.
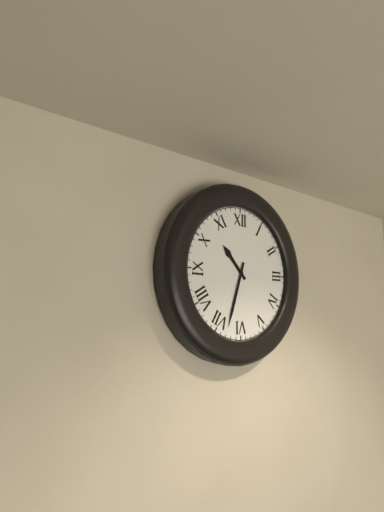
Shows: **10:33**
